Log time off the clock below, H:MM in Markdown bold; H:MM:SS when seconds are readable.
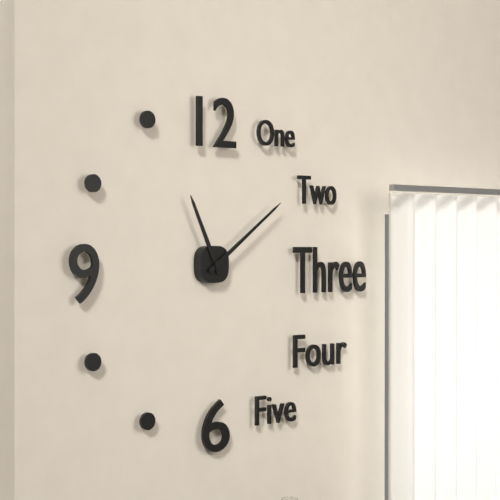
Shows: **11:09**
